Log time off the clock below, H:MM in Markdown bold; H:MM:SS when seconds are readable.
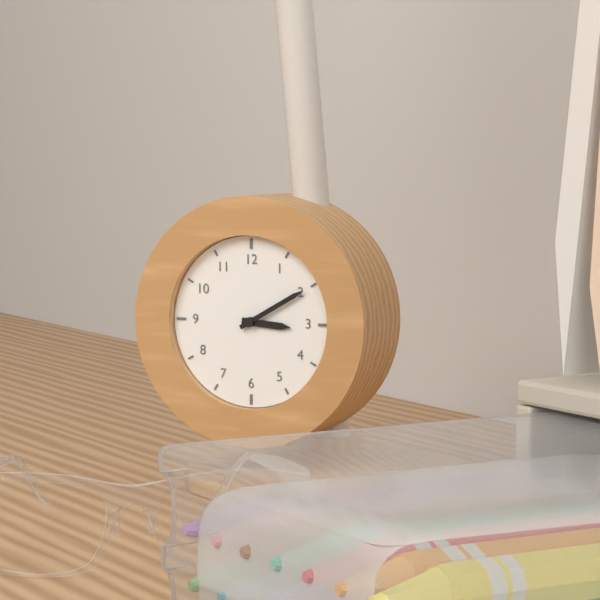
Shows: **3:10**
